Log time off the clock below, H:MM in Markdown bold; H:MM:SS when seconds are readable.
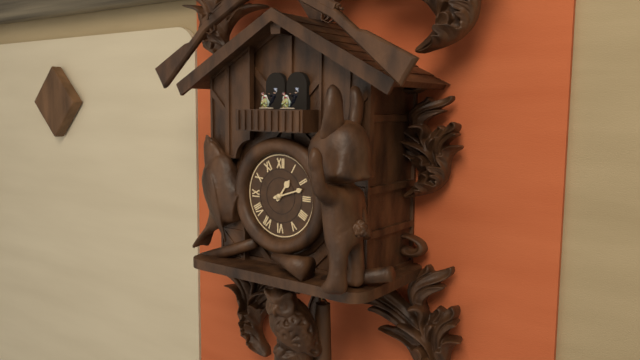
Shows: **1:12**
